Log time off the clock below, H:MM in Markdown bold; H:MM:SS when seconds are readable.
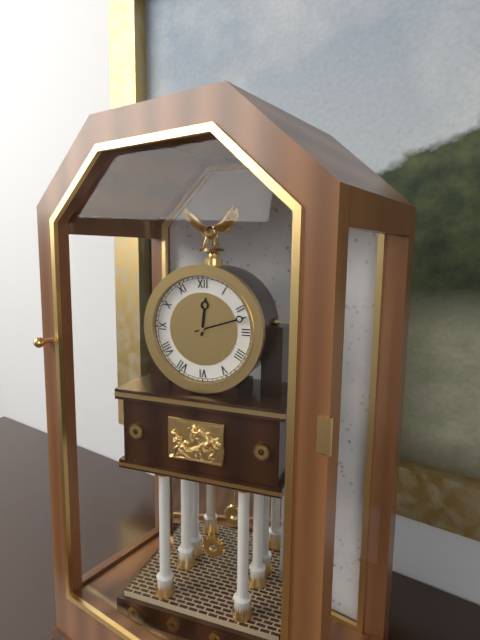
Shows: **12:12**
